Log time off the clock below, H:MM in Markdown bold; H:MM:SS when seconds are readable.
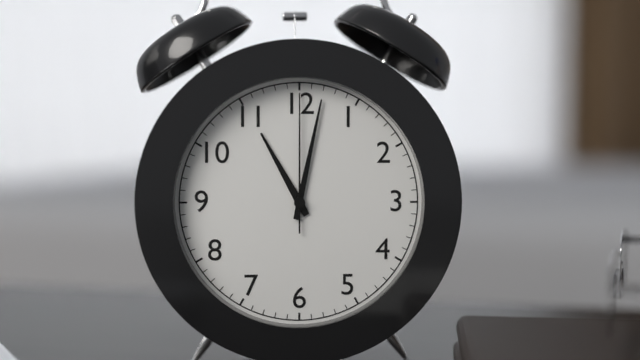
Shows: **11:02:00**
